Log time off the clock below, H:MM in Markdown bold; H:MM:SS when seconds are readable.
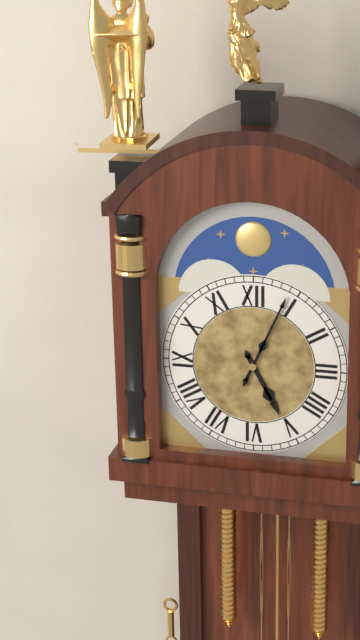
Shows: **5:04**
